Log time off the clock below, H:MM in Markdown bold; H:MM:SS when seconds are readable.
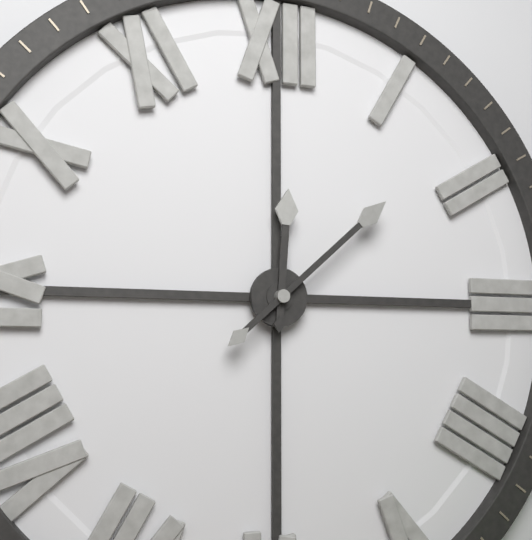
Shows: **12:08**
